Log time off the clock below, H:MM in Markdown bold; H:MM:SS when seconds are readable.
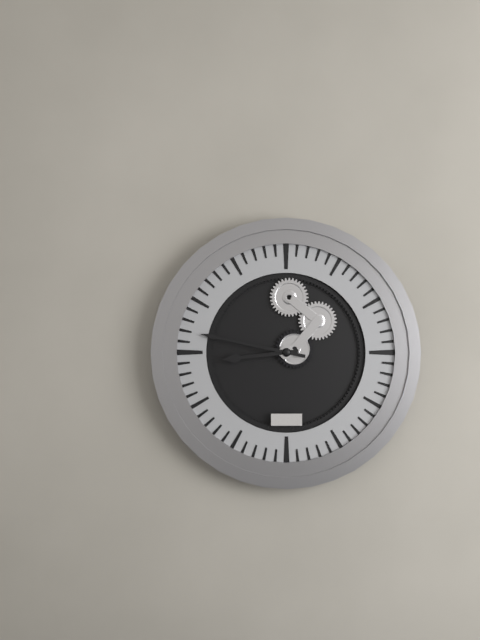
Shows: **8:47**
